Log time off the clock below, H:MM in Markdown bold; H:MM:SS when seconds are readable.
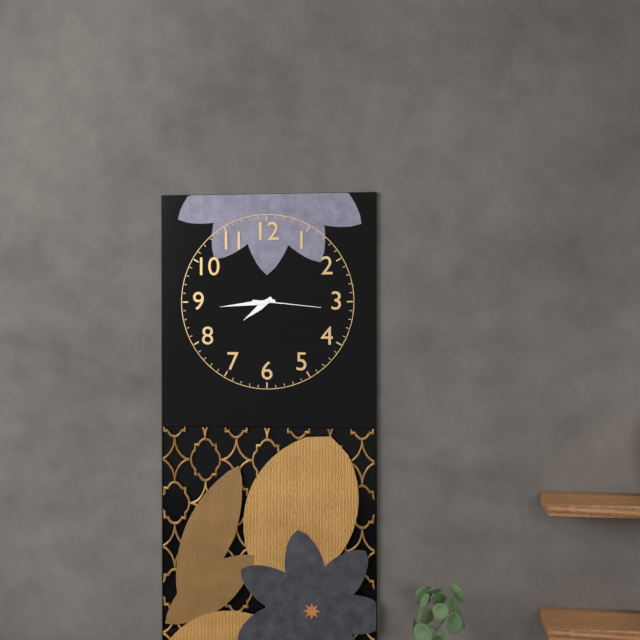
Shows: **7:44:16**
